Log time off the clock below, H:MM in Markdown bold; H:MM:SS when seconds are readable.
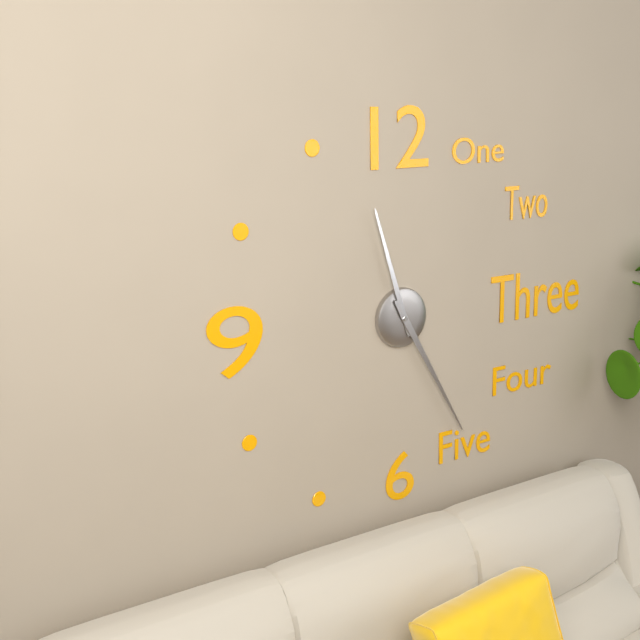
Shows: **11:25**
